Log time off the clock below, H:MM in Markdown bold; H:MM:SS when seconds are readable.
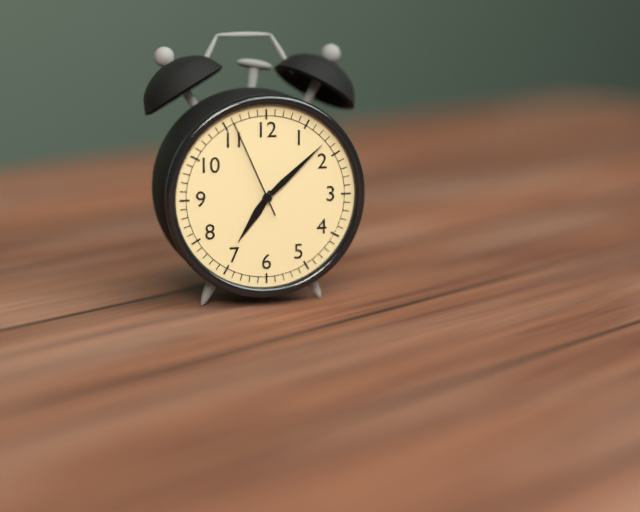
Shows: **7:08:56**
